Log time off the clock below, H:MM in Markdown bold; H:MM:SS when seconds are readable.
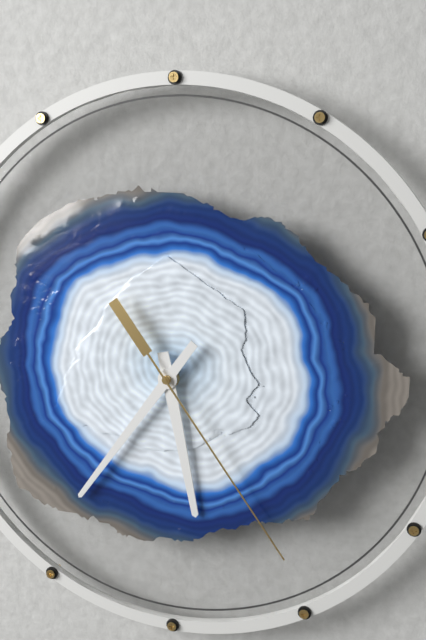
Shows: **5:36:24**
